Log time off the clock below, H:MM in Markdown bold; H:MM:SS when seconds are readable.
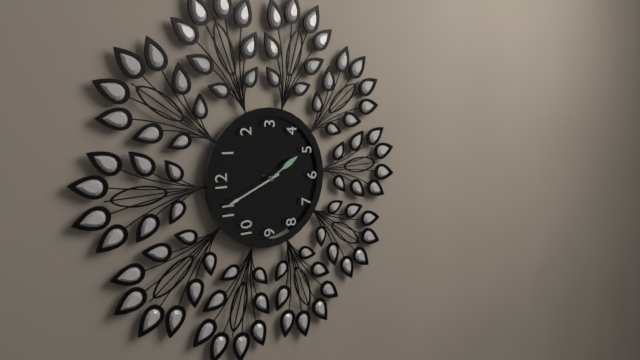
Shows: **4:56**
